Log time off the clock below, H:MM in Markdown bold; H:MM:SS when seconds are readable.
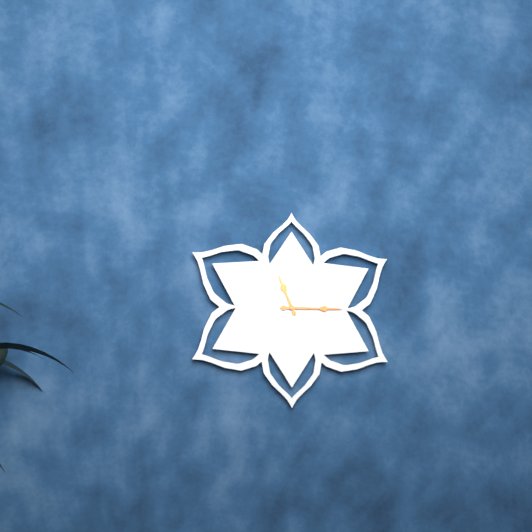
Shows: **11:15**
